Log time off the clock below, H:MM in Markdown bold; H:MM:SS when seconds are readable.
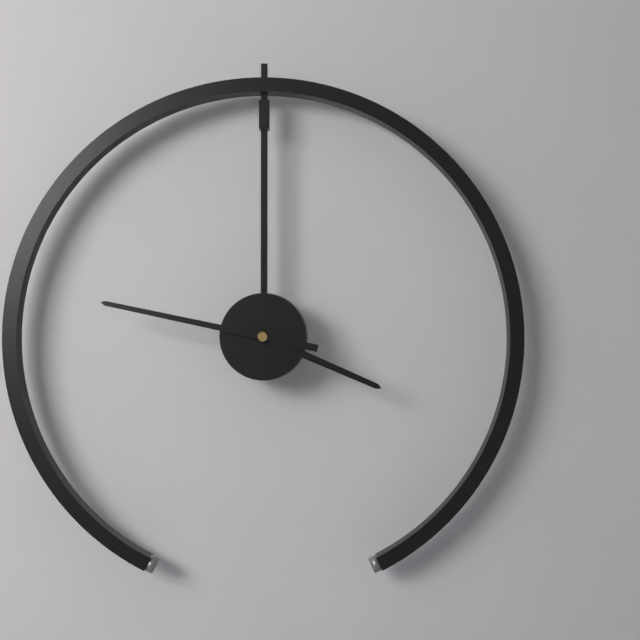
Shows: **3:47**
